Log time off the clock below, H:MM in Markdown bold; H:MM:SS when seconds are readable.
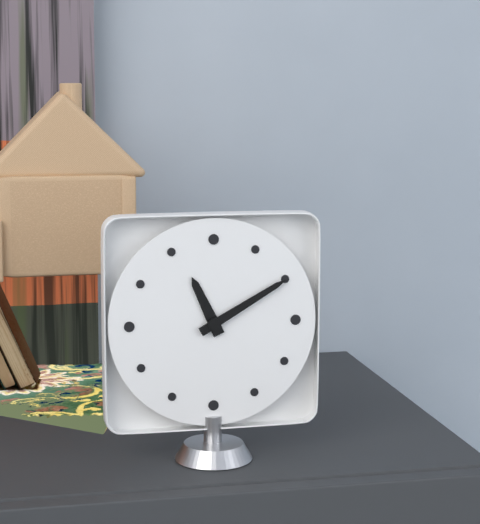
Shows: **11:10**
